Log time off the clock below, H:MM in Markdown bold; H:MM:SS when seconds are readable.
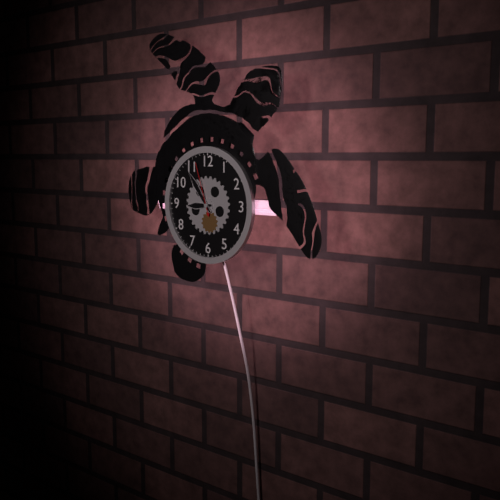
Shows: **8:54:57**
